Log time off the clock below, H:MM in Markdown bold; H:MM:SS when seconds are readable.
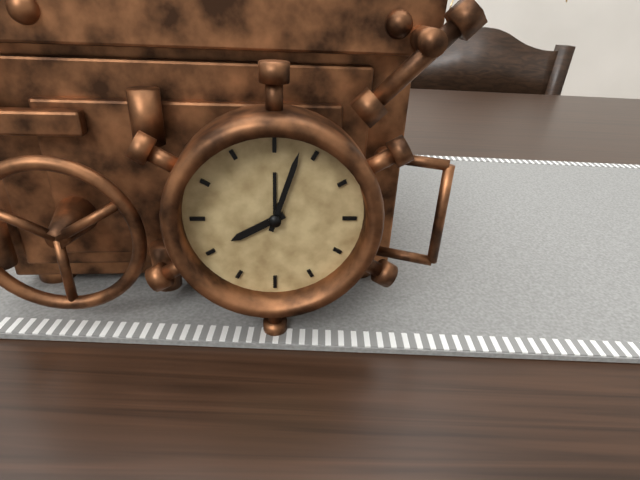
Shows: **8:03**
